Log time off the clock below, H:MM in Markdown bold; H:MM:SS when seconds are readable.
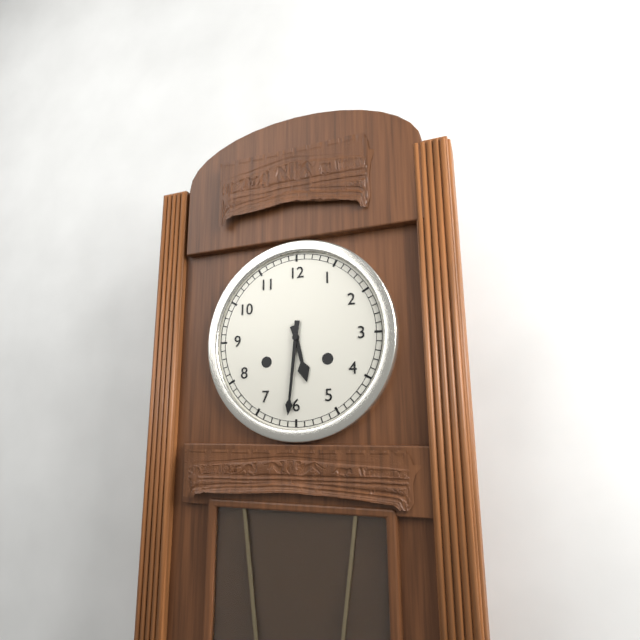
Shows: **5:31**
